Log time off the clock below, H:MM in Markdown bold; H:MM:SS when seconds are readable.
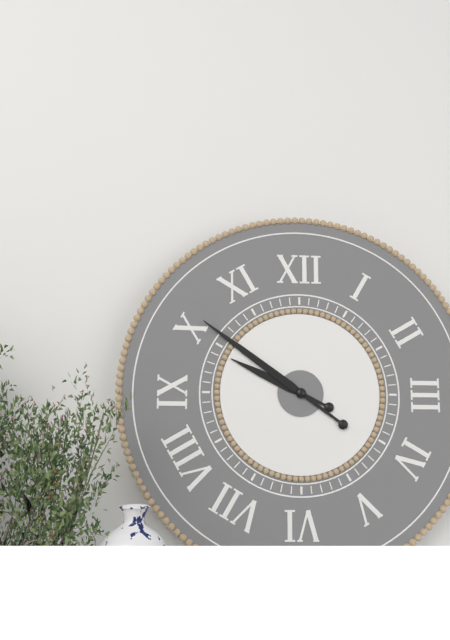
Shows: **9:51**
